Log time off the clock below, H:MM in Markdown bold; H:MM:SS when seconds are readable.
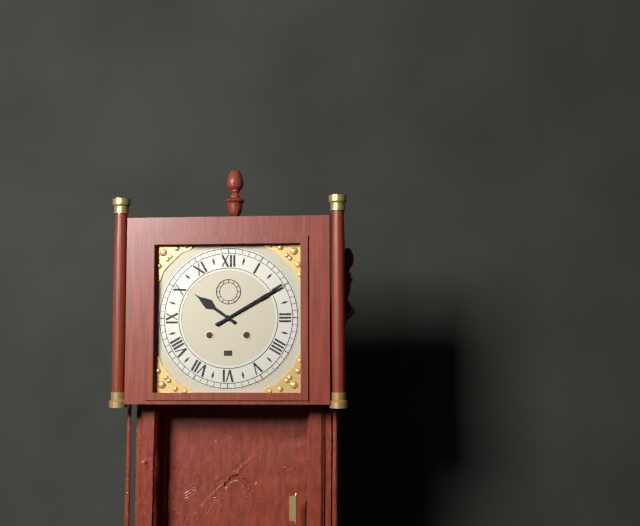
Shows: **10:10**
